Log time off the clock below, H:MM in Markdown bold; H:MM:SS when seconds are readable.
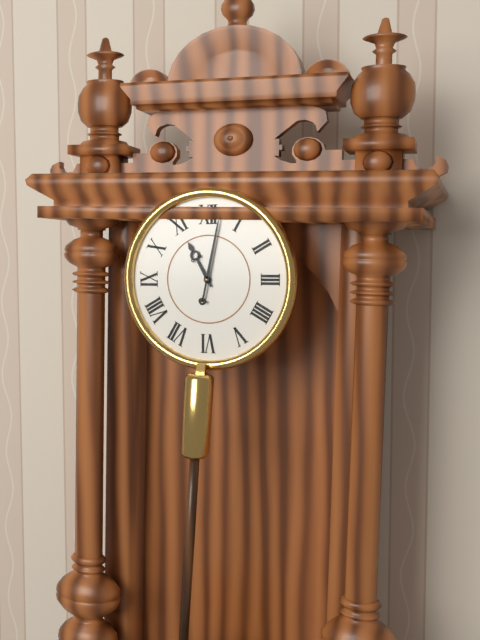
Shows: **11:02**
